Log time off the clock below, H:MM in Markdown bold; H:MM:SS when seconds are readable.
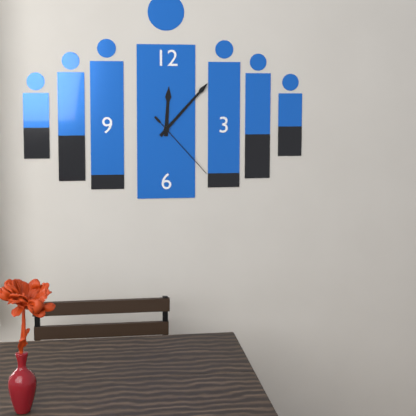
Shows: **12:07:23**
